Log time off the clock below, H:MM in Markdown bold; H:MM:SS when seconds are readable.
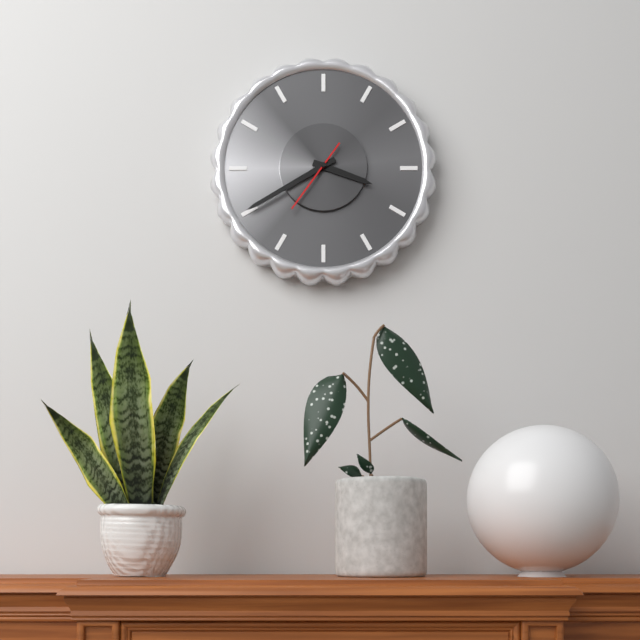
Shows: **3:40:36**
